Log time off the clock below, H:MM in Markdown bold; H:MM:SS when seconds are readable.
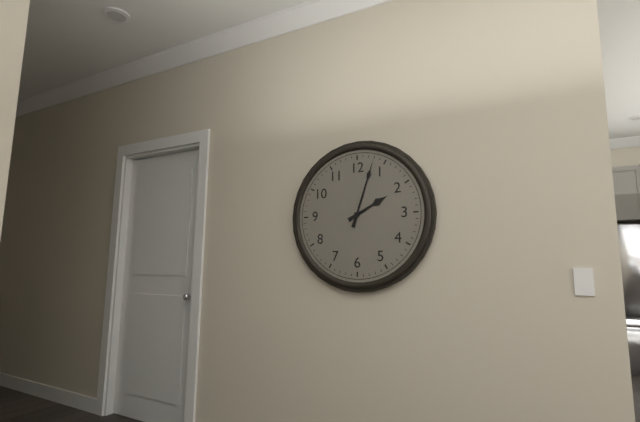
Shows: **2:03**
